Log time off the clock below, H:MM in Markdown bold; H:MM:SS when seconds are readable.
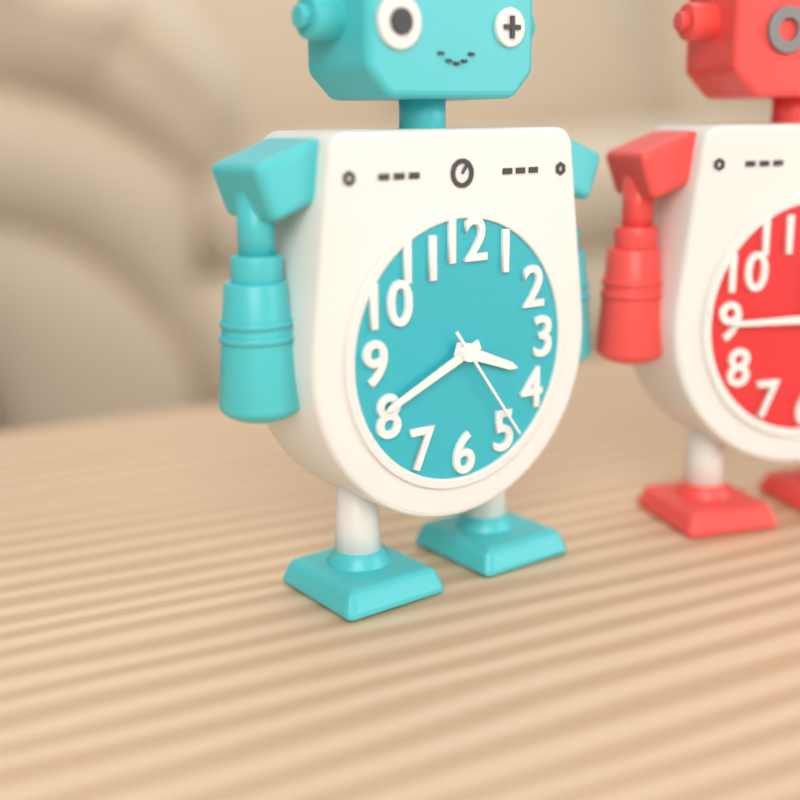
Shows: **3:41:24**
